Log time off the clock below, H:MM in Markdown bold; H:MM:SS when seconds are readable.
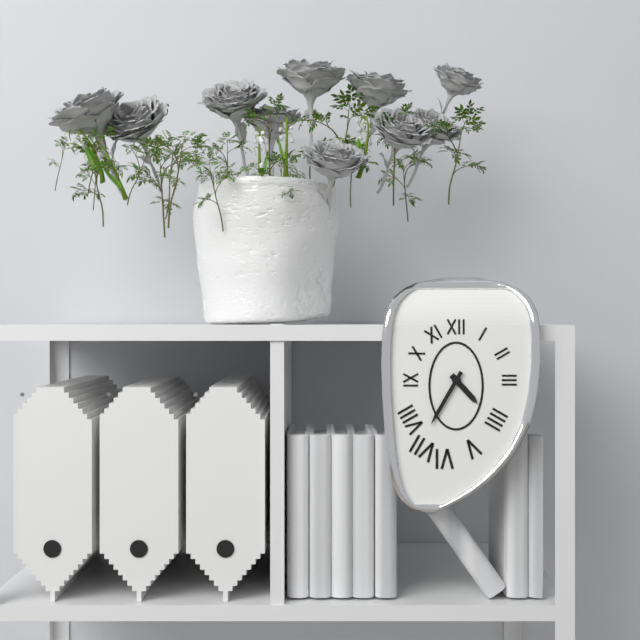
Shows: **4:35**
